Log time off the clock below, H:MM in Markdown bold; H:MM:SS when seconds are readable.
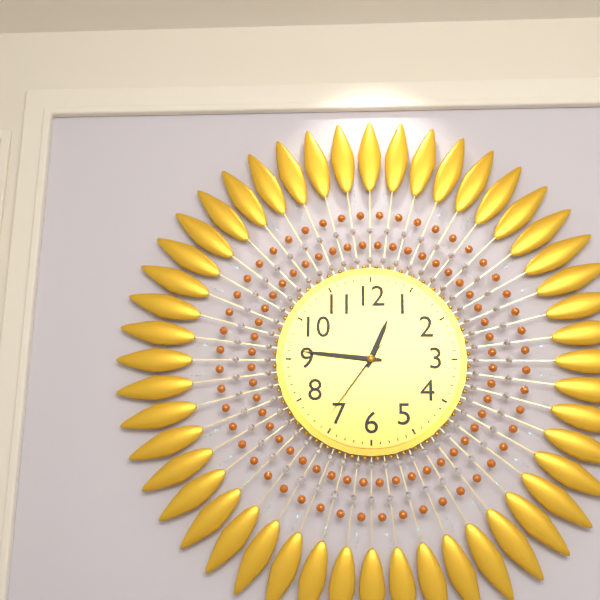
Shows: **12:46:36**
